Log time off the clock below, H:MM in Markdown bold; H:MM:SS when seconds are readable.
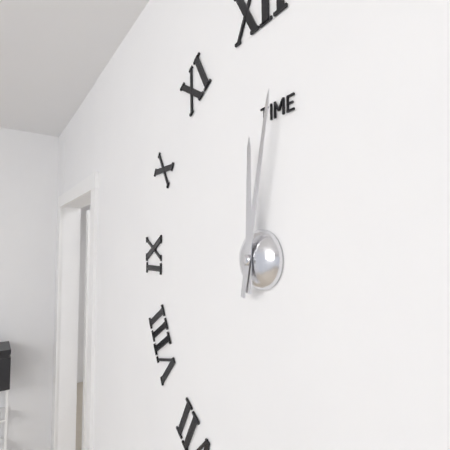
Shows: **12:02**
